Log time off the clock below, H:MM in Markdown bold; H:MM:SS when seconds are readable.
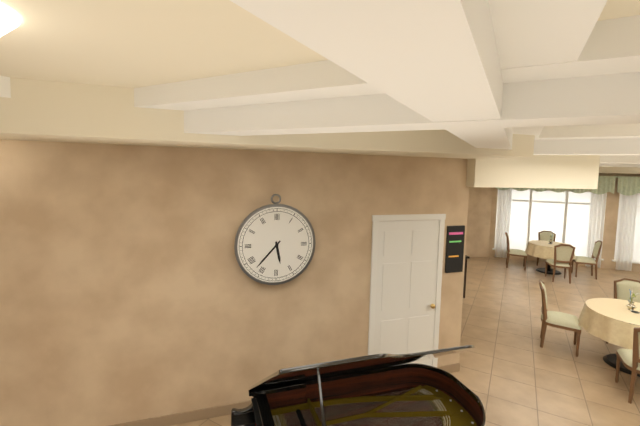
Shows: **5:37**
